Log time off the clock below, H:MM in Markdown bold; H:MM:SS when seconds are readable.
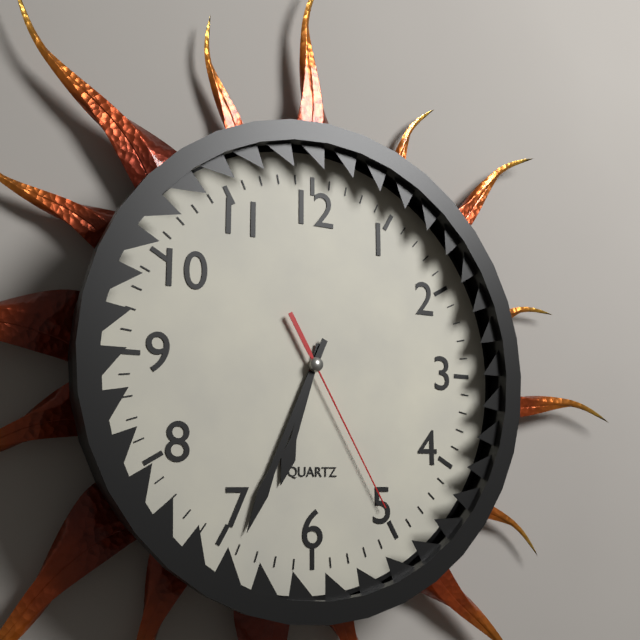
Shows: **6:34:25**
